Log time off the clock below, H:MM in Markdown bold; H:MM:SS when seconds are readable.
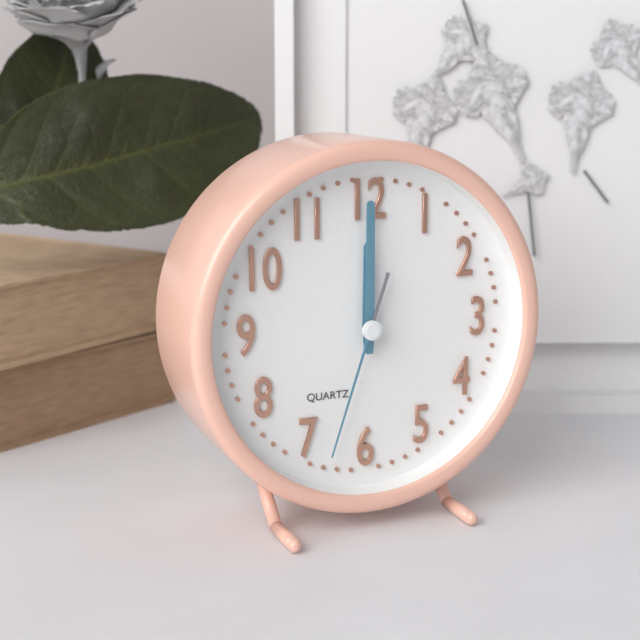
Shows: **12:00:33**
